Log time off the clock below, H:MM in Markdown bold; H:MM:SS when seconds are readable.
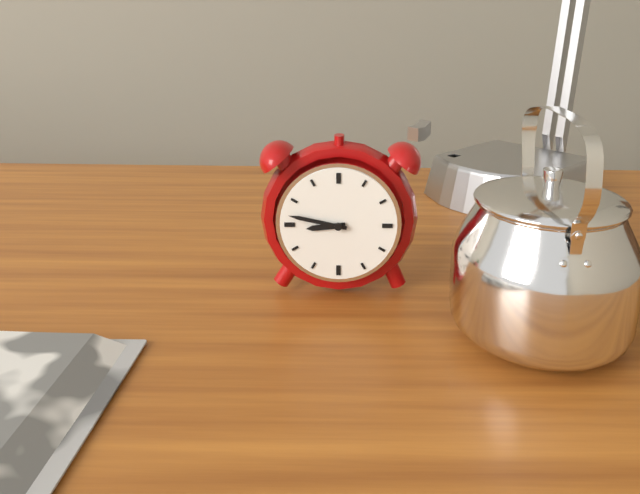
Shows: **8:47**
